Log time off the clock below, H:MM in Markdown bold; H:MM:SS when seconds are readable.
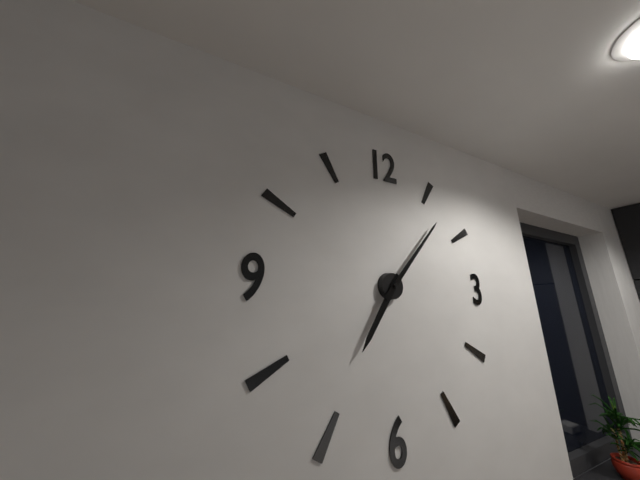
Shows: **7:07**
